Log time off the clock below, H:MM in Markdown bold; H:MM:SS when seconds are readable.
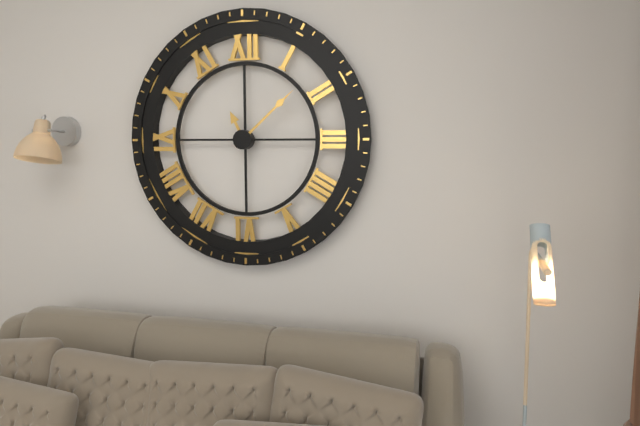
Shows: **11:08**
